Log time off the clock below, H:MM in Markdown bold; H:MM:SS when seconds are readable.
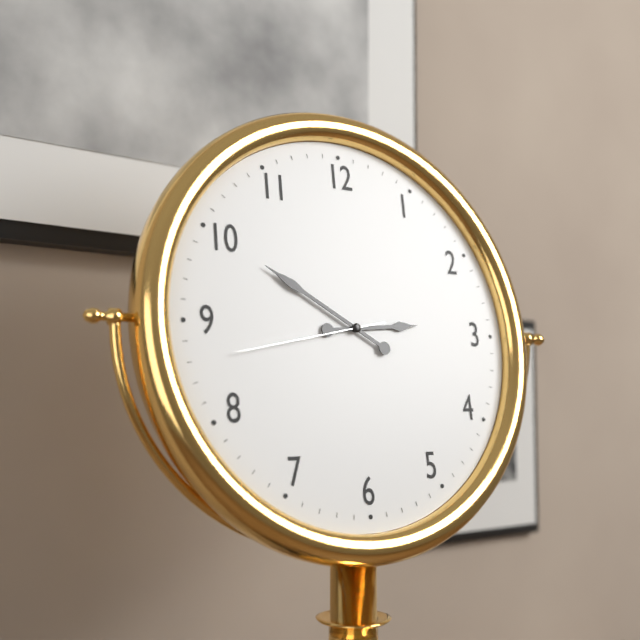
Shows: **2:50:43**
